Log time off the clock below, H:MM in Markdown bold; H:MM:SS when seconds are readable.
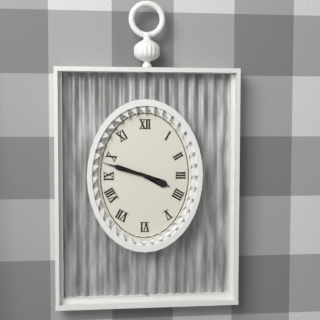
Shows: **3:48**
